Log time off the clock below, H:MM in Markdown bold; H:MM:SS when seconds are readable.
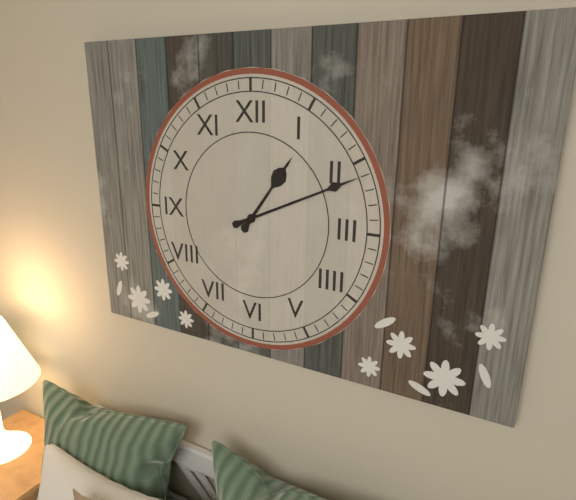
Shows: **1:11**
